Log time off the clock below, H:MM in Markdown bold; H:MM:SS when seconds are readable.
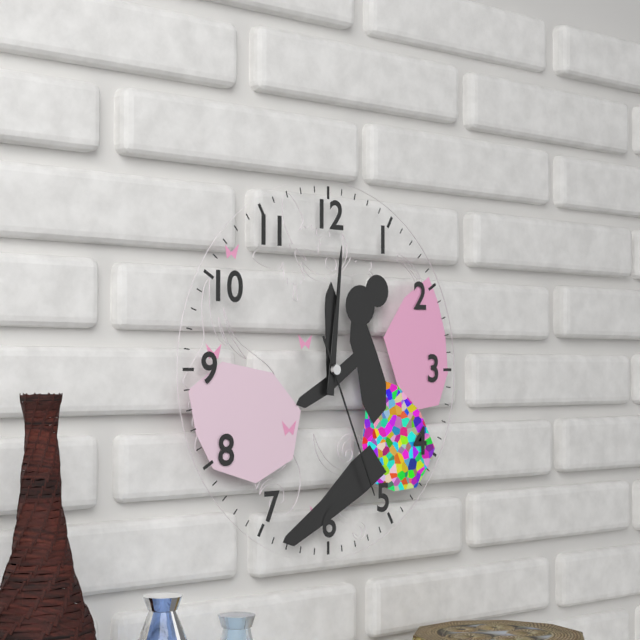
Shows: **12:01:26**
